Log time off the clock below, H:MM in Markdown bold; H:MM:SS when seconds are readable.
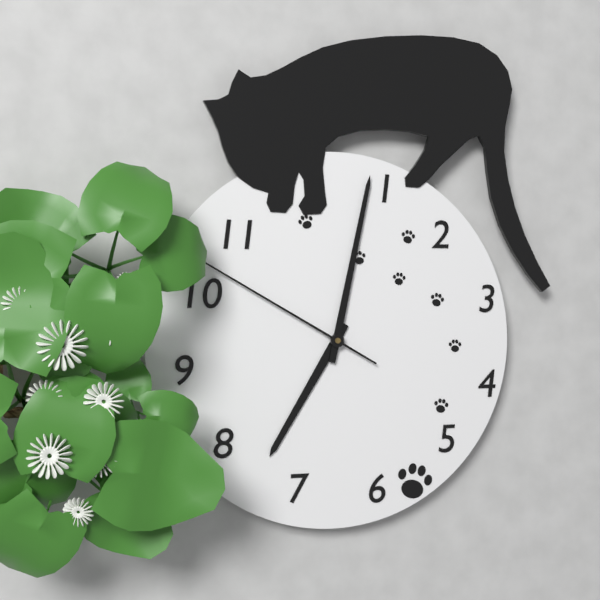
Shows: **7:02:50**
